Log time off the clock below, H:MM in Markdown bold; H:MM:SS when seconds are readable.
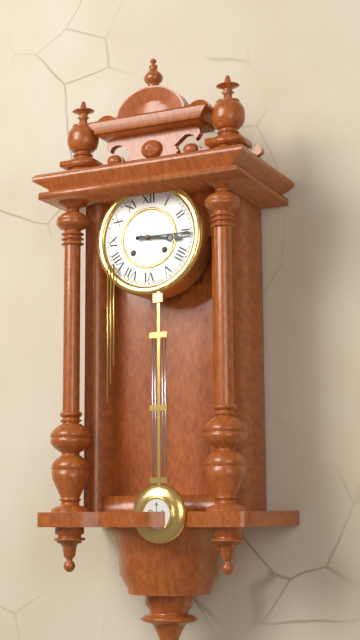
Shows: **3:15**
